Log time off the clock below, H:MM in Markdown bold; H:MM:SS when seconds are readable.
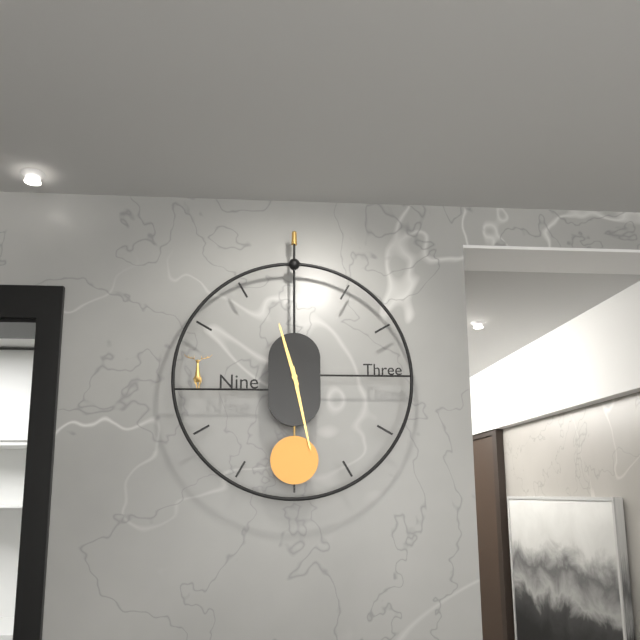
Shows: **11:28**
